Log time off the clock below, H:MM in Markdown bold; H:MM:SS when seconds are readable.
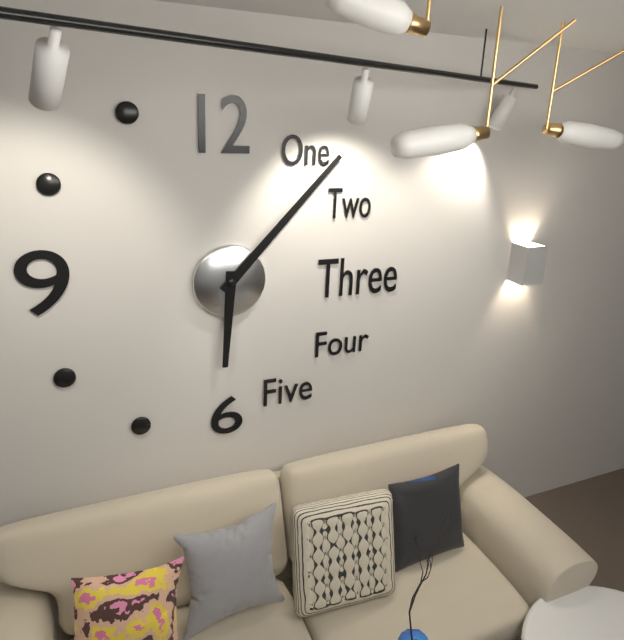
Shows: **6:07**
